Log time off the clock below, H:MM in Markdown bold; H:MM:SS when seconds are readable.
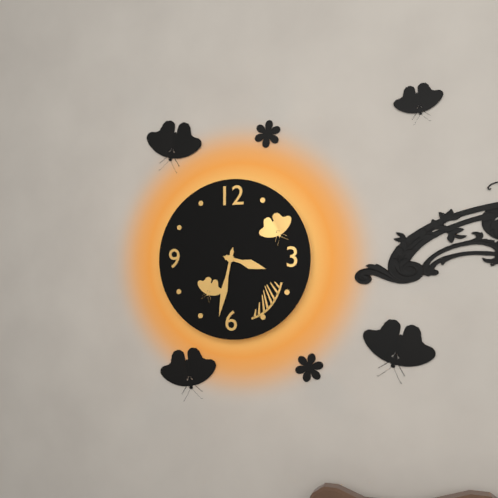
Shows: **3:32**
